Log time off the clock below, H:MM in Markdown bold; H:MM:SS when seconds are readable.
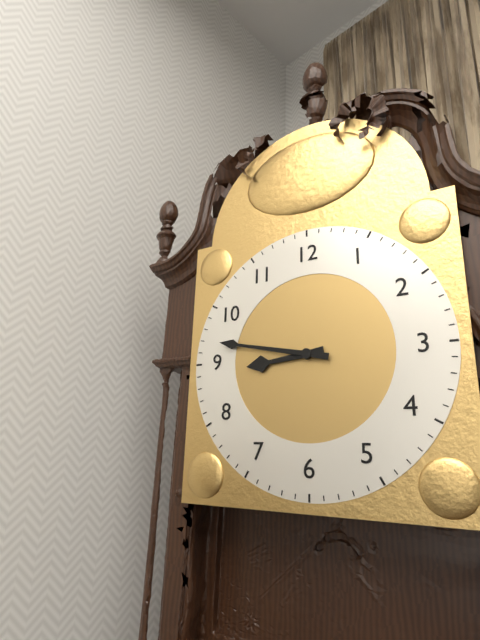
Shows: **8:47**
